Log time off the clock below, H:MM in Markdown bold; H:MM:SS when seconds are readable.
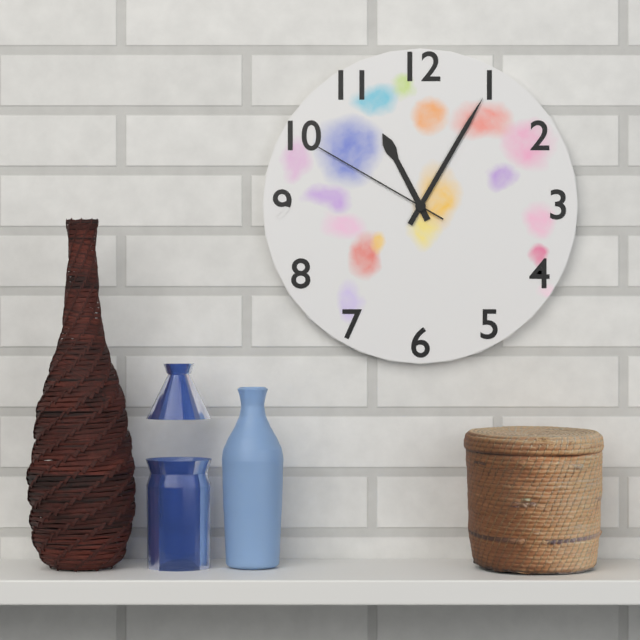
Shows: **11:05:50**
